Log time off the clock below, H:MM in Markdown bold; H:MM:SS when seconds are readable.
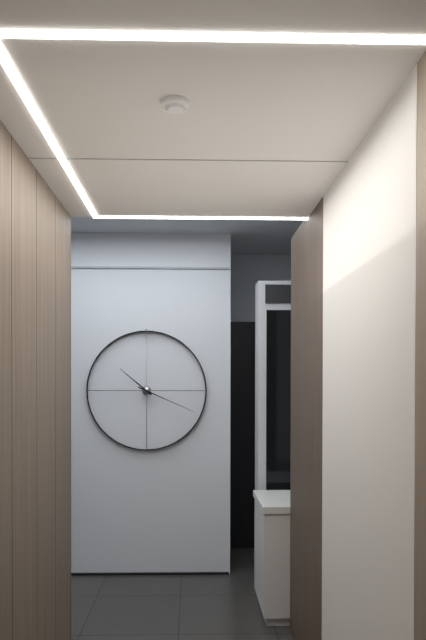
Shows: **10:19**
